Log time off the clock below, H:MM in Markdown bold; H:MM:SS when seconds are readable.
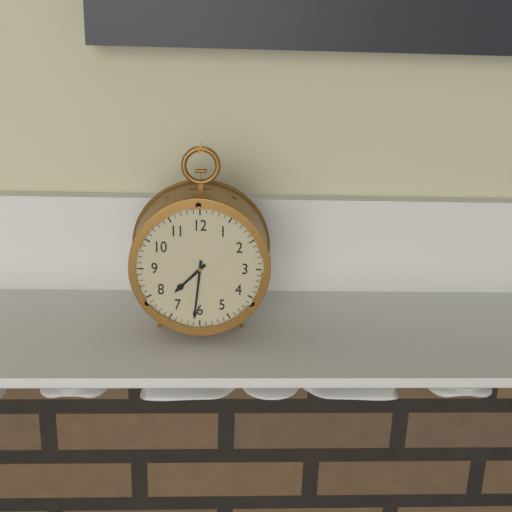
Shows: **7:31**
